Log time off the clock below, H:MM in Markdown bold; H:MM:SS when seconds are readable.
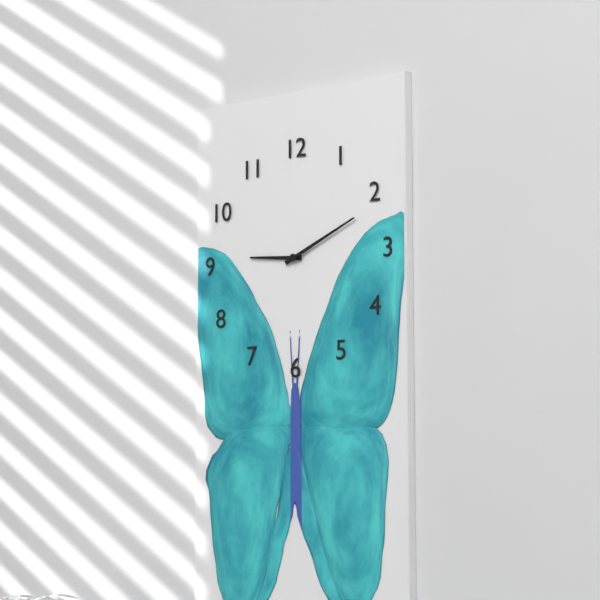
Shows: **9:11**
